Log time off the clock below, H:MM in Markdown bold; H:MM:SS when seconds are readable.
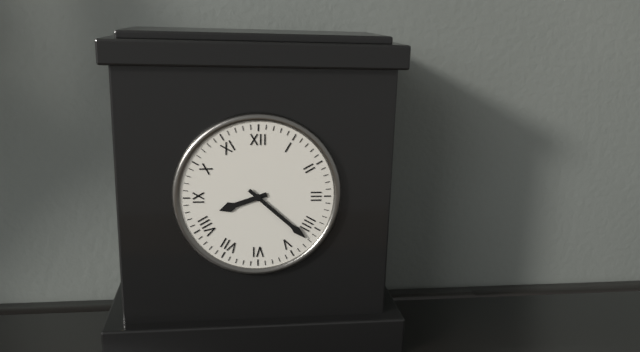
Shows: **8:22**
